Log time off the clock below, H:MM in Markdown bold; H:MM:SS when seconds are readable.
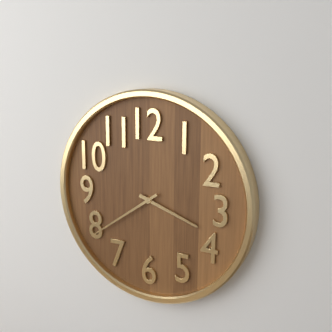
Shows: **3:39**
